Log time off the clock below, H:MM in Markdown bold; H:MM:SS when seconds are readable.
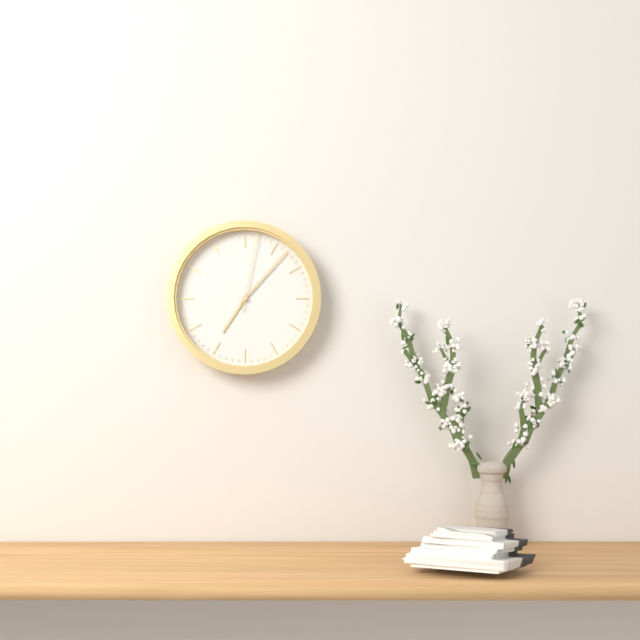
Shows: **7:07:02**
